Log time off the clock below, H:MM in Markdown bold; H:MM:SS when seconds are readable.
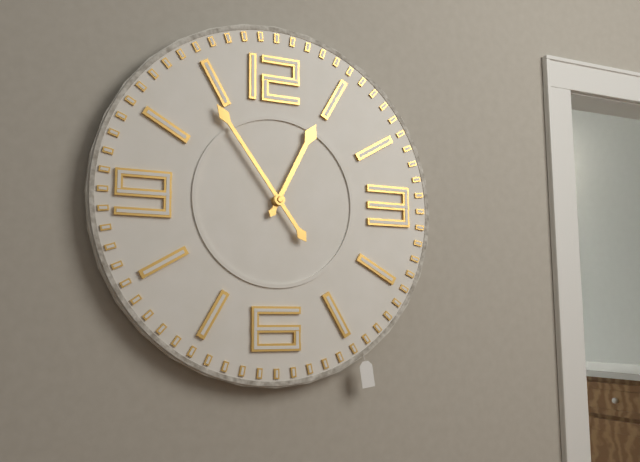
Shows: **12:54**
